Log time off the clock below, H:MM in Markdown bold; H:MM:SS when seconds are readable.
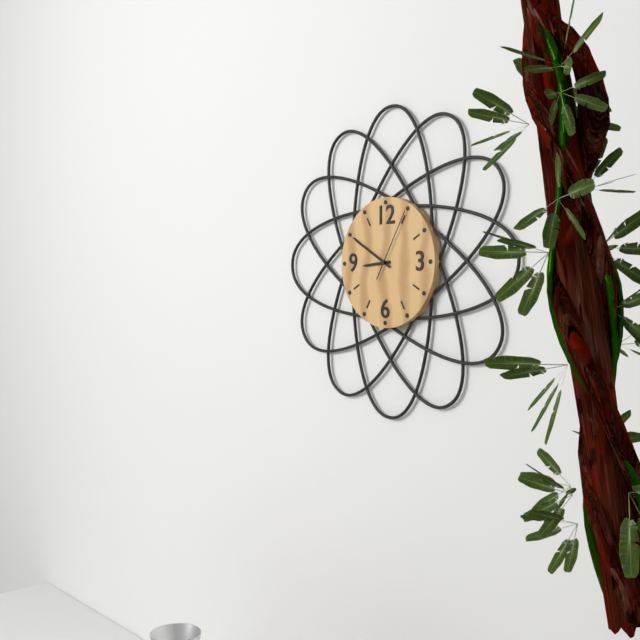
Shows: **8:50:05**
